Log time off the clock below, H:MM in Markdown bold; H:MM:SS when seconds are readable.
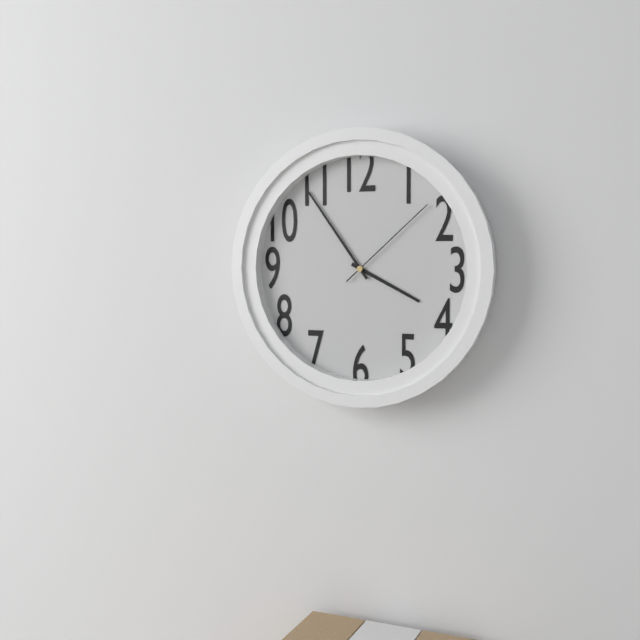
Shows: **3:54:08**
